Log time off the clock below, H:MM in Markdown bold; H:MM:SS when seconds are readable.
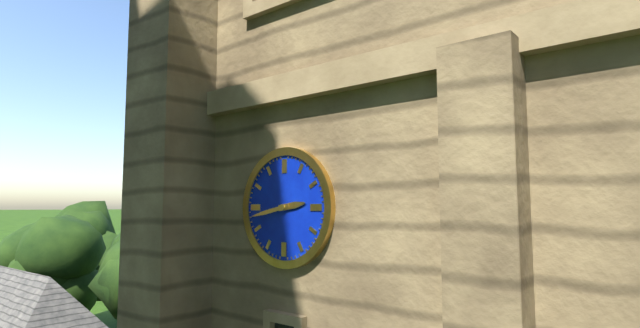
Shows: **2:43**
